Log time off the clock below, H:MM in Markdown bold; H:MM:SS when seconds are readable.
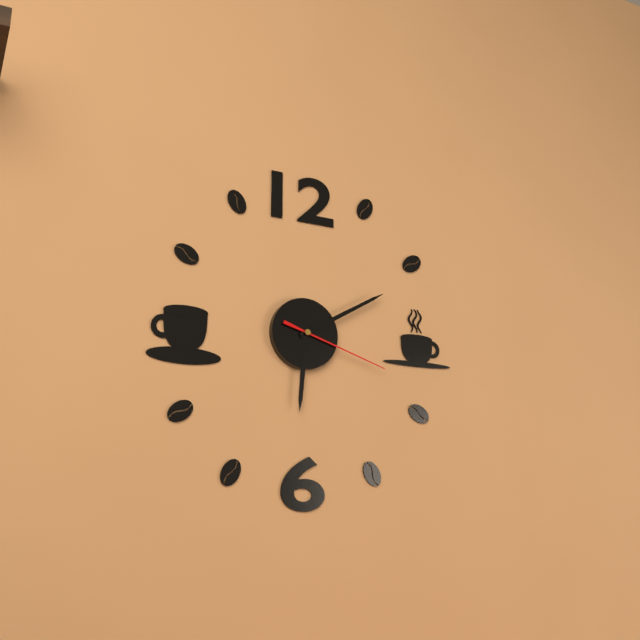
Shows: **6:10:18**
